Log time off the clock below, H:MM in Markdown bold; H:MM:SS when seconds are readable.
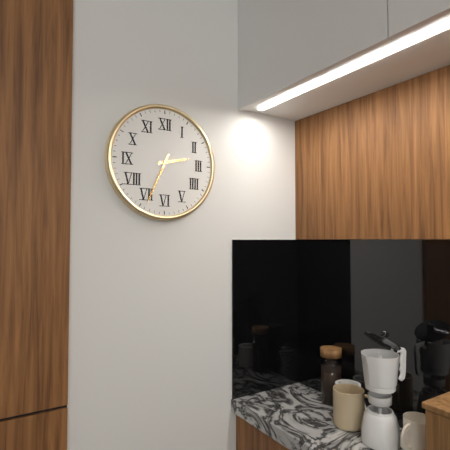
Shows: **2:34**
